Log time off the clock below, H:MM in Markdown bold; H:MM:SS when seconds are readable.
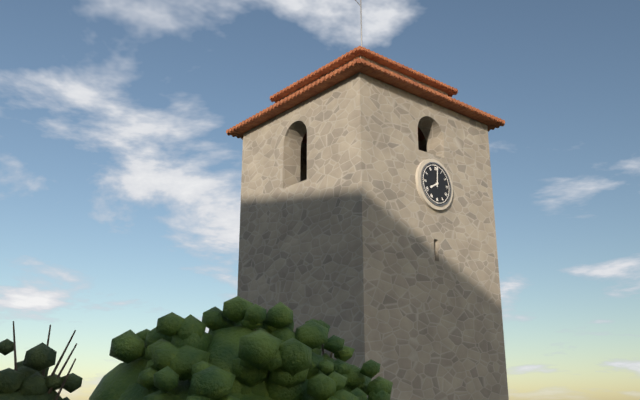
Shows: **8:01**
